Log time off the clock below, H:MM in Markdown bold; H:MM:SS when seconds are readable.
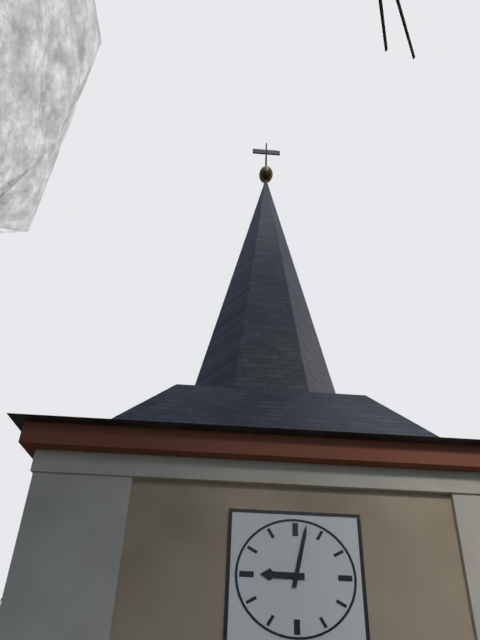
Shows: **9:02**
